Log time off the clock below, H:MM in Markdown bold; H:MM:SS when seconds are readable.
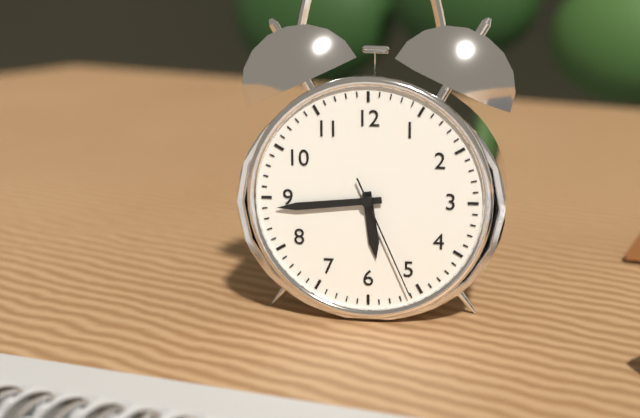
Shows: **5:44:26**
